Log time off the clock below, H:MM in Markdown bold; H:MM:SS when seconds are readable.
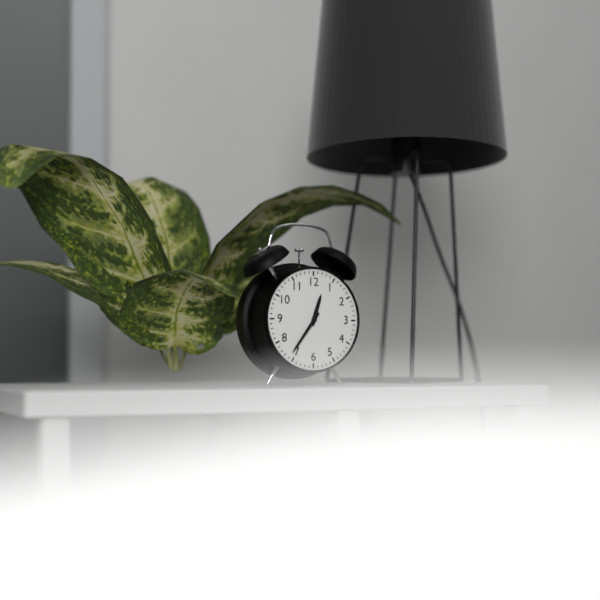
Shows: **12:36**
